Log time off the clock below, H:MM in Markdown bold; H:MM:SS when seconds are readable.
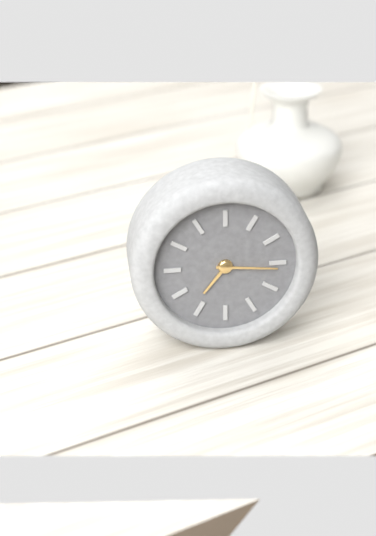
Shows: **7:16**
